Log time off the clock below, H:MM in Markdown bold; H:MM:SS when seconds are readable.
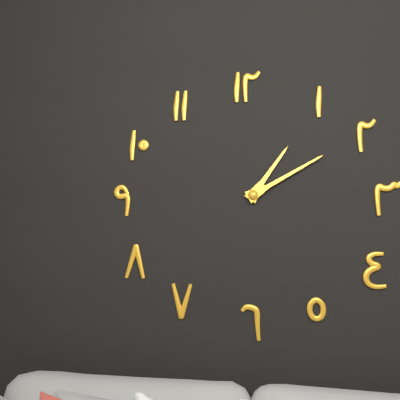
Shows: **1:10**
